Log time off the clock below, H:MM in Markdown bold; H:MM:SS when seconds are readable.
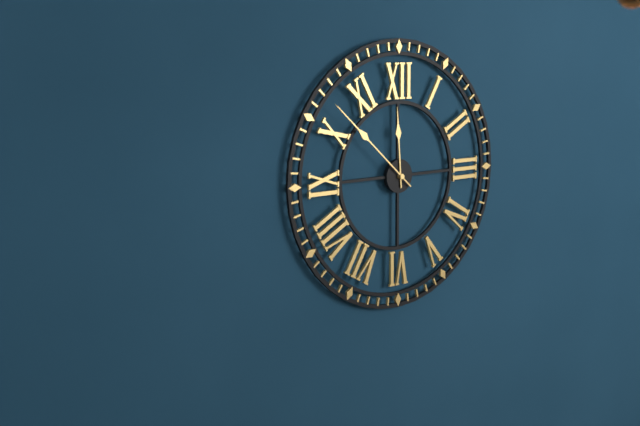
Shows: **11:52**
